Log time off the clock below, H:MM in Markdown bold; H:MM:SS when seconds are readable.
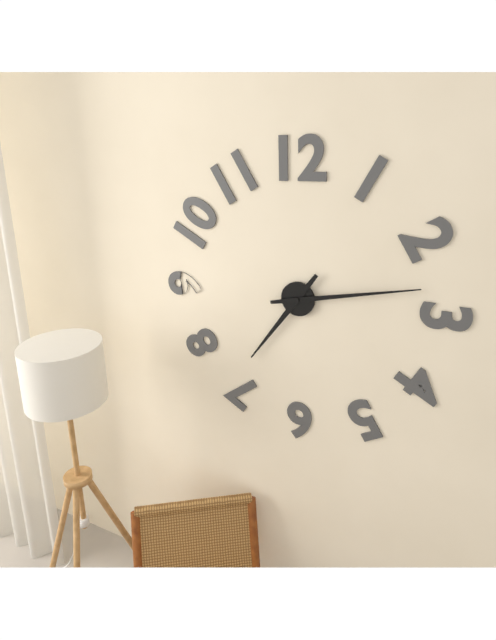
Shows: **7:13**
